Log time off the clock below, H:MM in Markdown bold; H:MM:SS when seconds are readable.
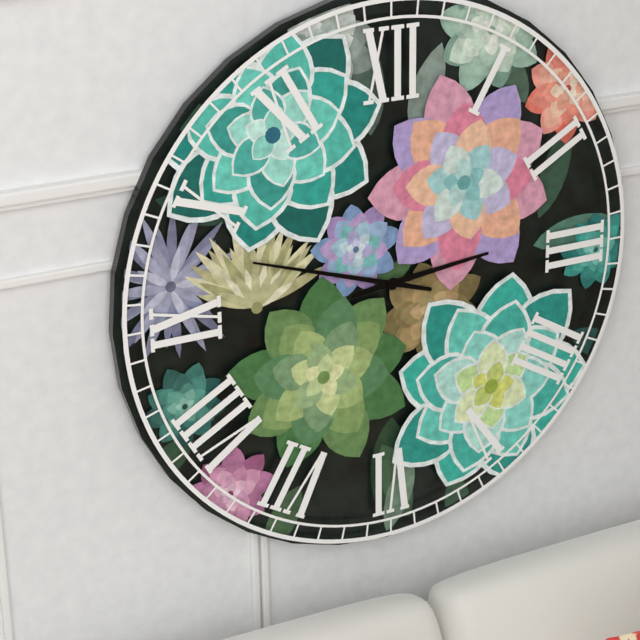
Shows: **2:48**
